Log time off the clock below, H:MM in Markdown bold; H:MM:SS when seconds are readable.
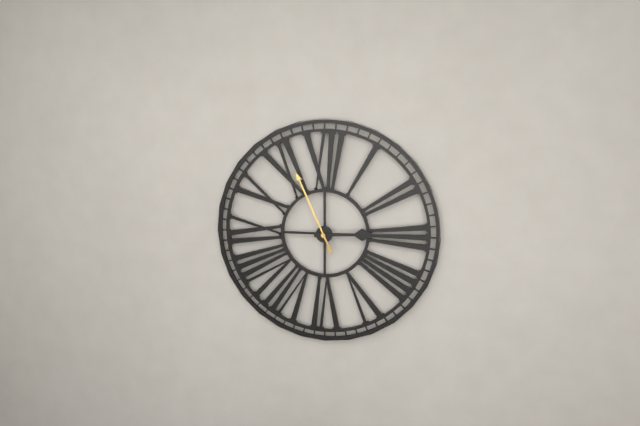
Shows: **2:56**
